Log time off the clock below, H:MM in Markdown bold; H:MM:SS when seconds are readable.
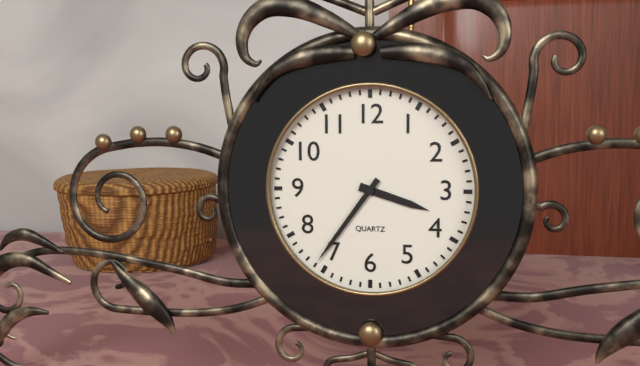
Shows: **3:36**
